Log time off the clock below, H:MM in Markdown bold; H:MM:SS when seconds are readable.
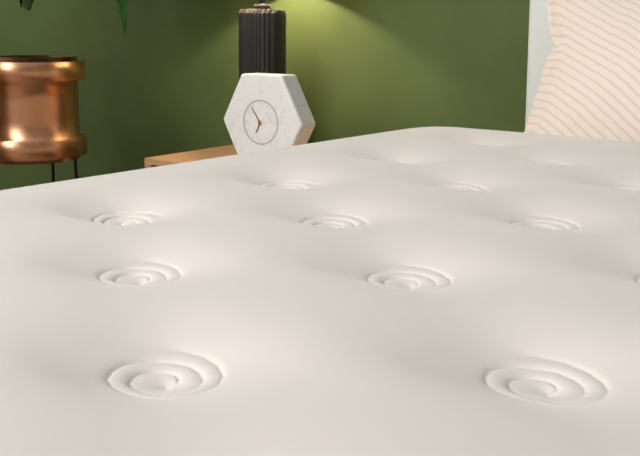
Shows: **6:54**
